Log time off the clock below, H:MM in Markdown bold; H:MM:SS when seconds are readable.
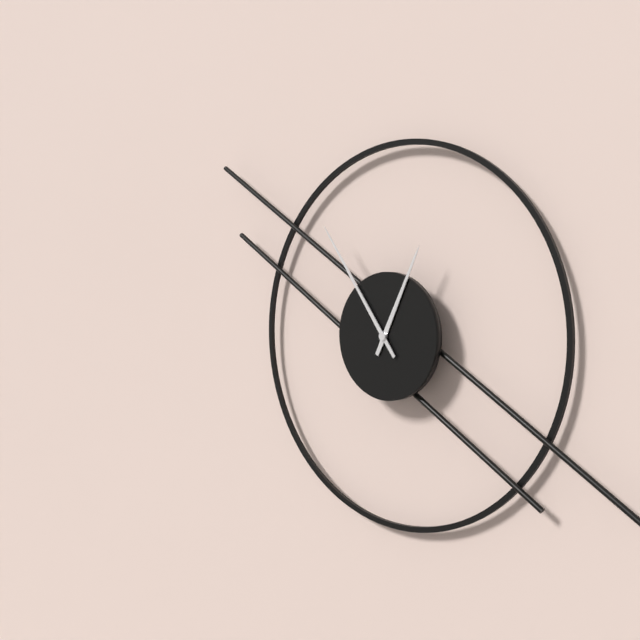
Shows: **12:54**
